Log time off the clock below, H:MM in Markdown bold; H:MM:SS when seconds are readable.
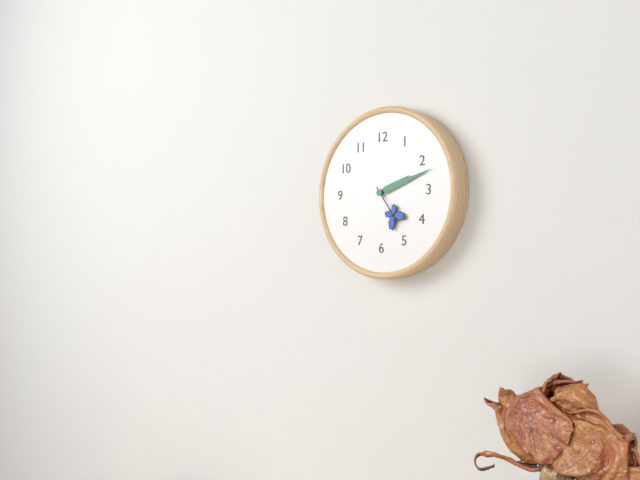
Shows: **2:12**
